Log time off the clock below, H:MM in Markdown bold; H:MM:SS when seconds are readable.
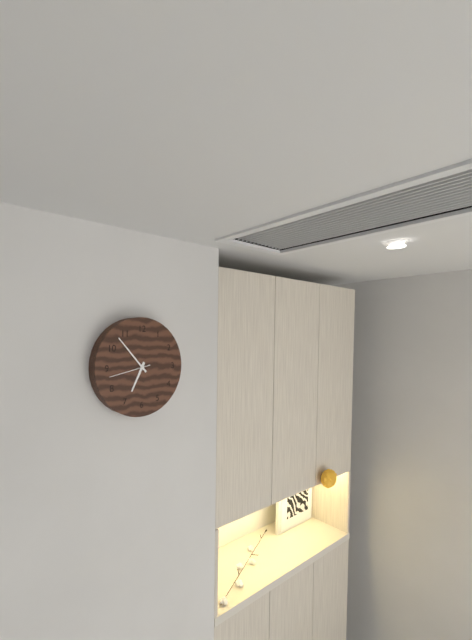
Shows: **6:53**
